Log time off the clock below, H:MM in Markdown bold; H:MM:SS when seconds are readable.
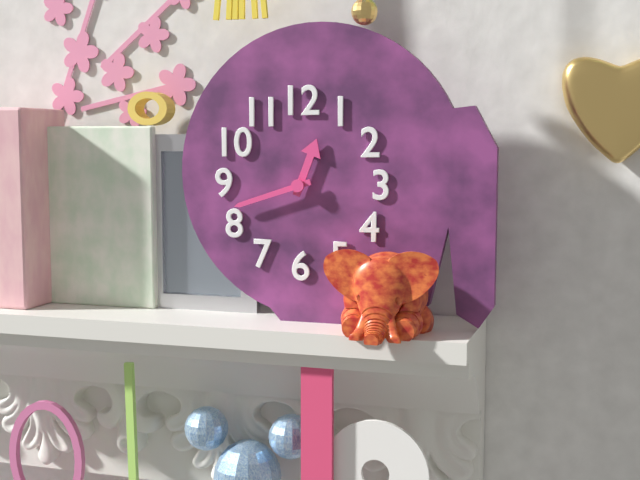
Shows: **12:42**
